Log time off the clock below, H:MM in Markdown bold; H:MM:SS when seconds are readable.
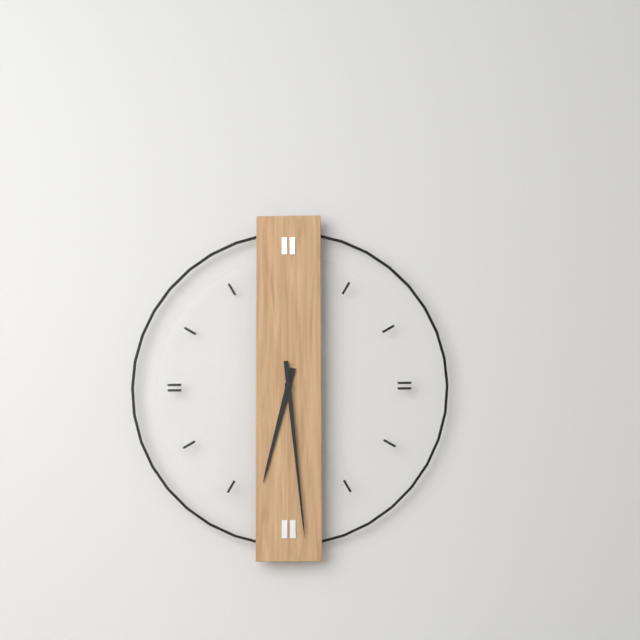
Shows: **6:29**
